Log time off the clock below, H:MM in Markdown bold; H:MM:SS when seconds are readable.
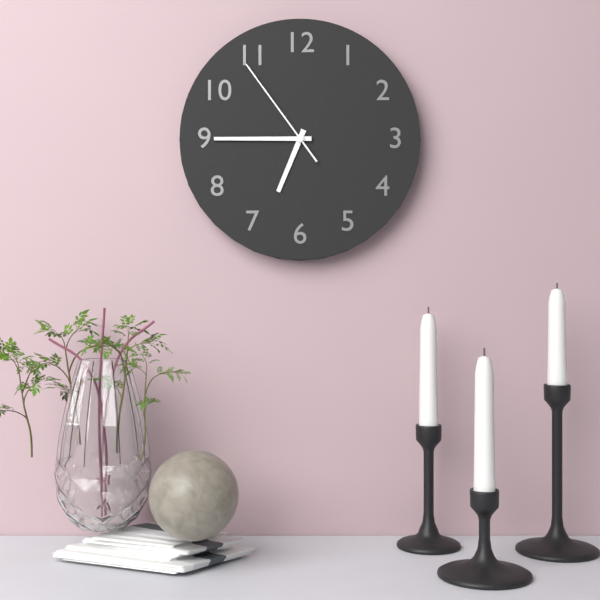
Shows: **6:45:54**
